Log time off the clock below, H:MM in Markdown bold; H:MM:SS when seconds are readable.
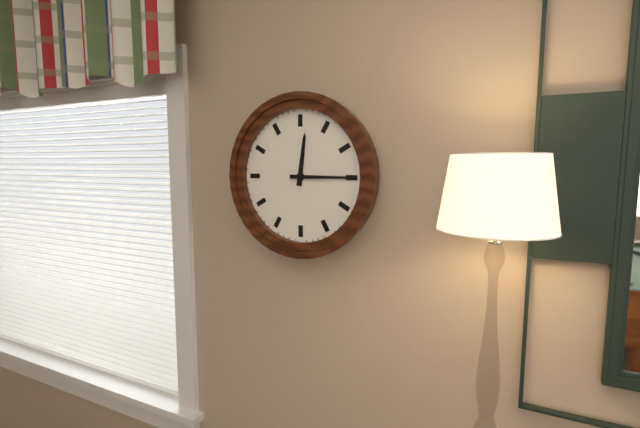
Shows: **12:15**
